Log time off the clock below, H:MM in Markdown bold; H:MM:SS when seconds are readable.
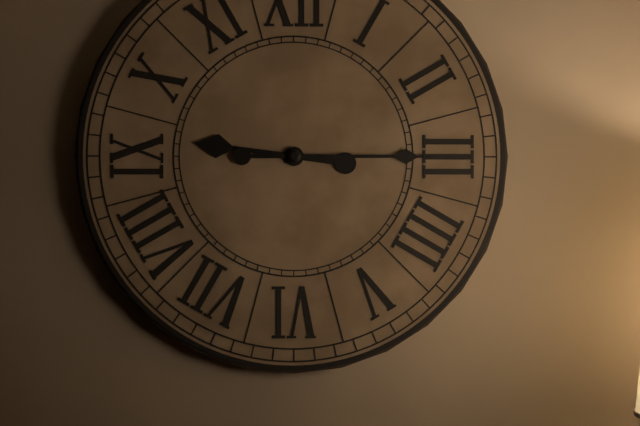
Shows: **9:15**
